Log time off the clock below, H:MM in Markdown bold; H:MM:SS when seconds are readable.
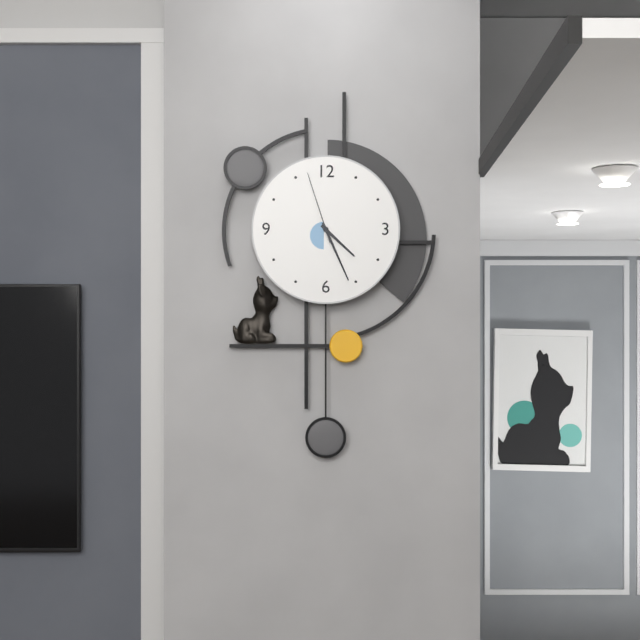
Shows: **4:26:57**
